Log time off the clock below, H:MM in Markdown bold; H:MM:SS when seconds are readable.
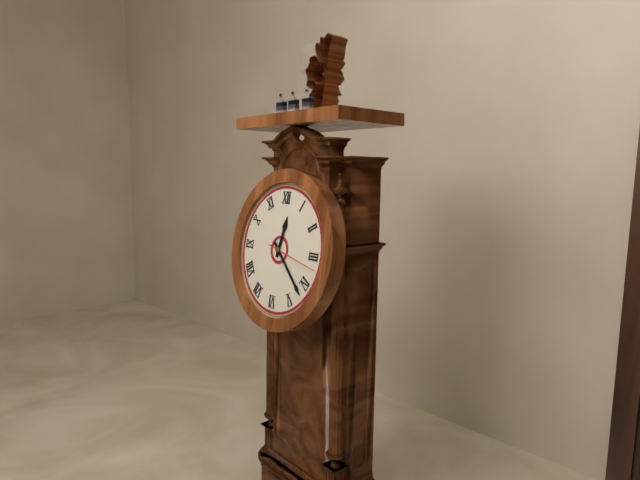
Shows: **12:22:17**
